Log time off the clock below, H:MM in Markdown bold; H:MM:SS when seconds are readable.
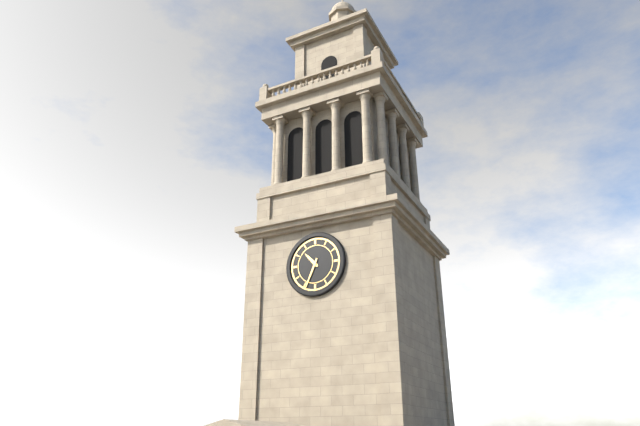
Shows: **10:34**
